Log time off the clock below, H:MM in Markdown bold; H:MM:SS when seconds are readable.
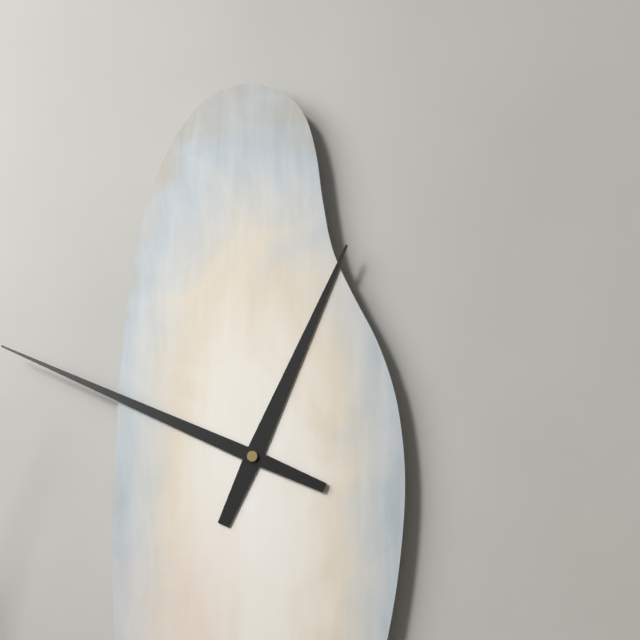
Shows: **12:49**
